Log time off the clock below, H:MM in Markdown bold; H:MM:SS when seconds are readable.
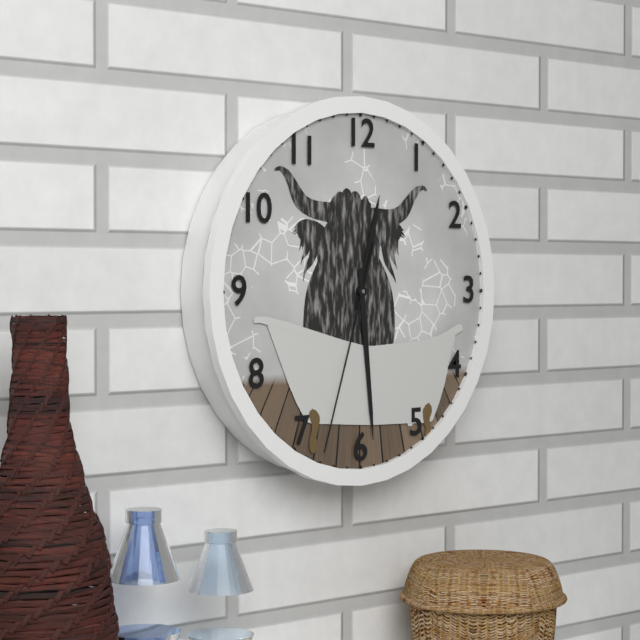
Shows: **12:29:33**
